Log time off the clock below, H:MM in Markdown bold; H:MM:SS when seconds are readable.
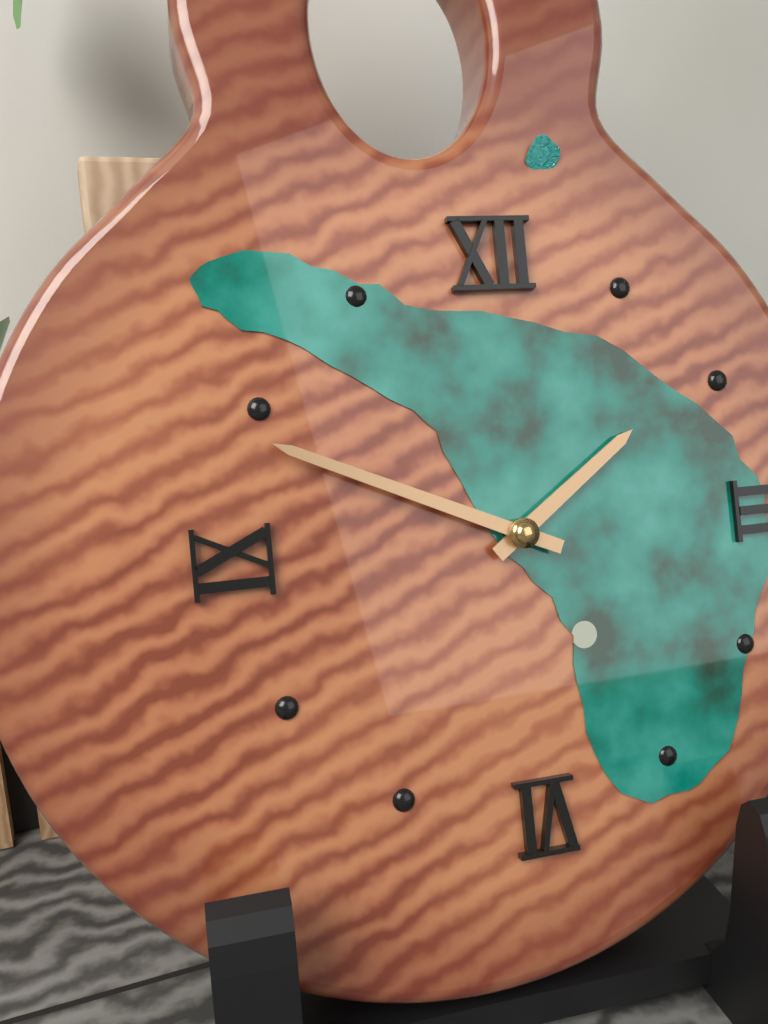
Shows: **1:49**
